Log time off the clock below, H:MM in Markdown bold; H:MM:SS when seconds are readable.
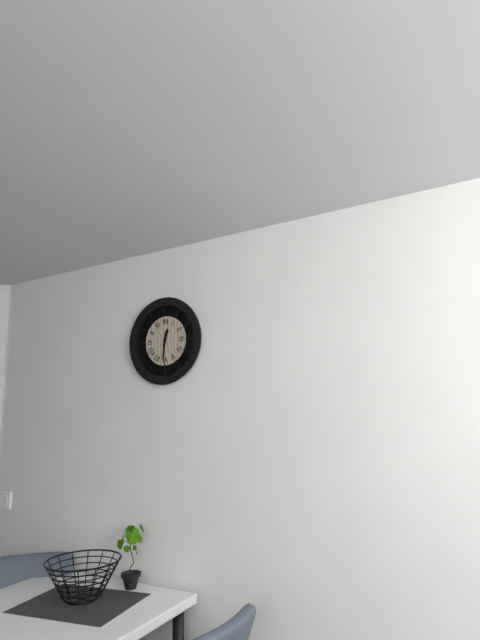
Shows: **12:31**
